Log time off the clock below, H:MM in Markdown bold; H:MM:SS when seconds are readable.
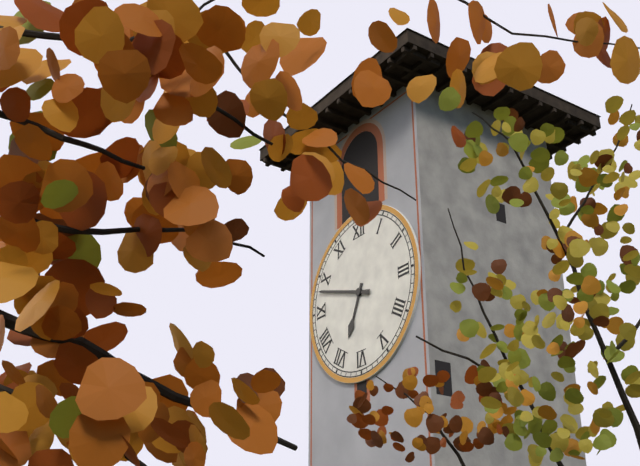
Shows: **6:48**
